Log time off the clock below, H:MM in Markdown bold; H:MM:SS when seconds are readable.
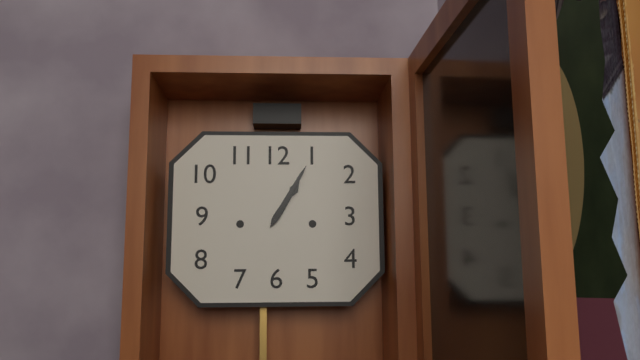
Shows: **1:05**
